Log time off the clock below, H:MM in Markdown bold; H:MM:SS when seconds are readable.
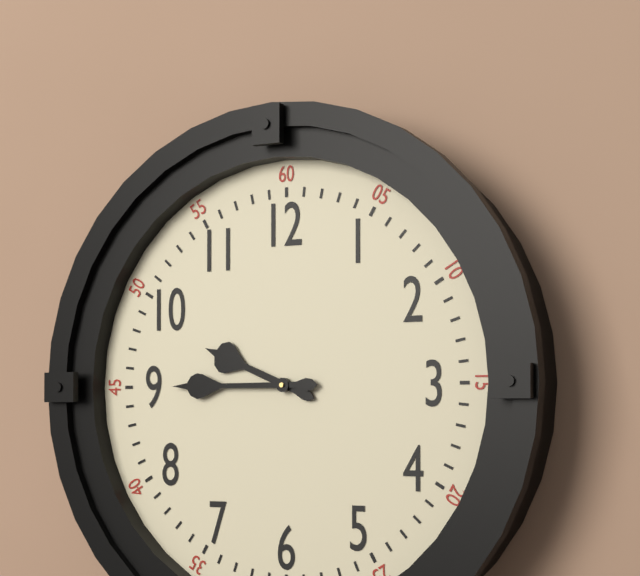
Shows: **9:45**
